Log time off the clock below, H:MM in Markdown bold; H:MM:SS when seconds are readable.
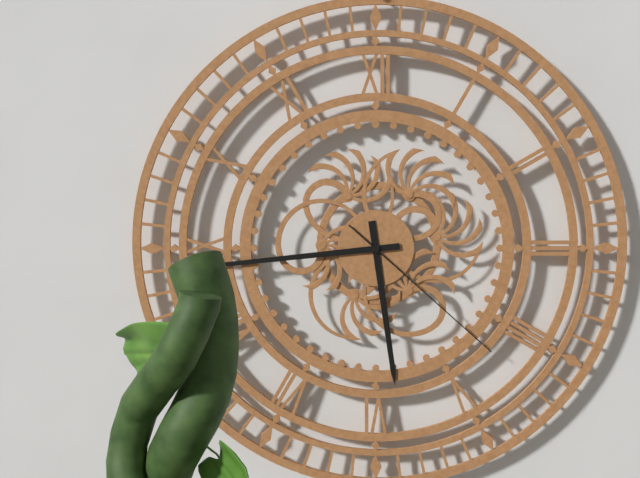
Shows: **5:44:22**
